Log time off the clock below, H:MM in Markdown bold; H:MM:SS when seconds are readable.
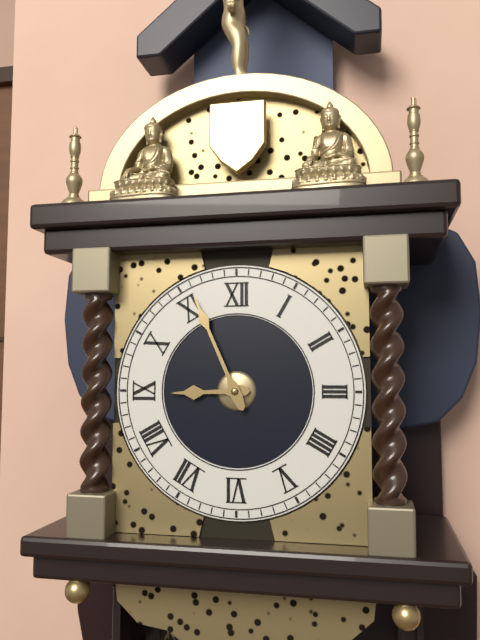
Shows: **8:56**
